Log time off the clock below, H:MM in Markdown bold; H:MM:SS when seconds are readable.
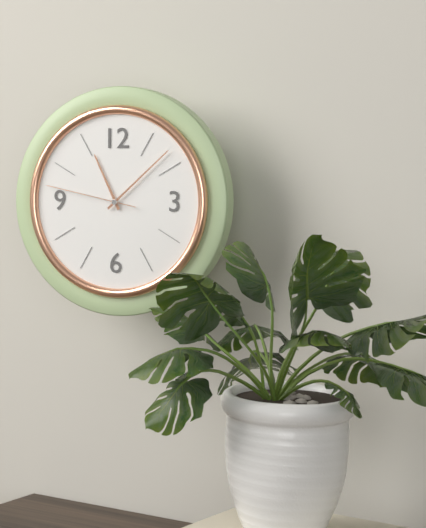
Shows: **11:08:47**
